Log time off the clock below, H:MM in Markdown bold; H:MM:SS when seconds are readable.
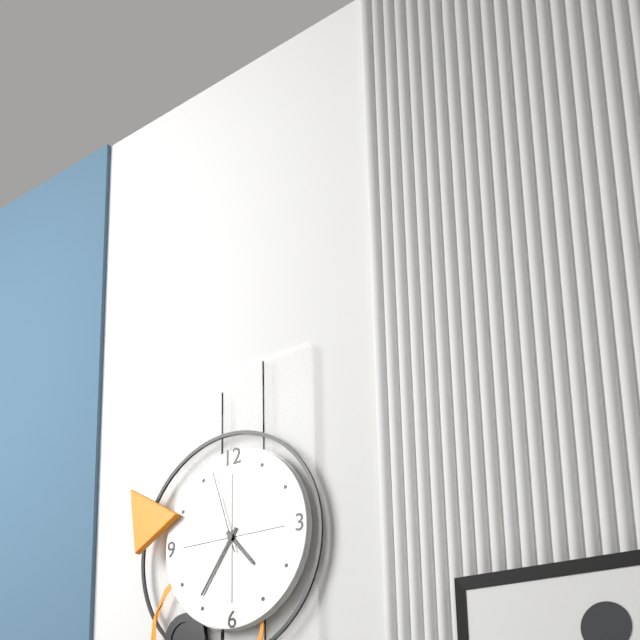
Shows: **4:36:57**
